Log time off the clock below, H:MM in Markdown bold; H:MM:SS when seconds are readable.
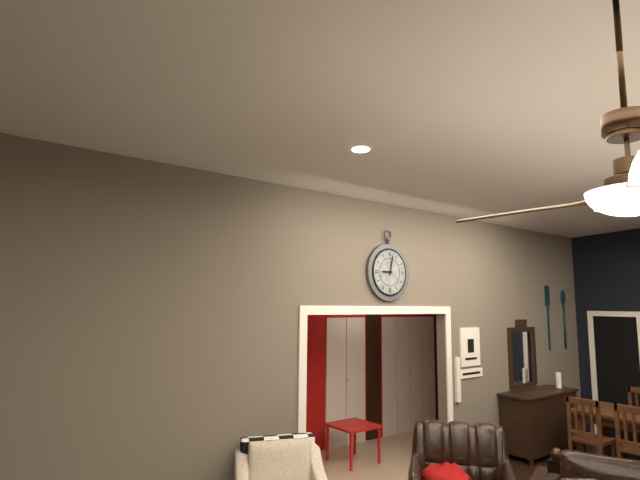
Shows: **9:02**
